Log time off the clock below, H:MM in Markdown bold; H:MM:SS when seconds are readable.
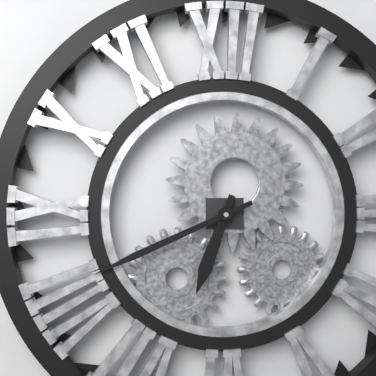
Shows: **6:41**
